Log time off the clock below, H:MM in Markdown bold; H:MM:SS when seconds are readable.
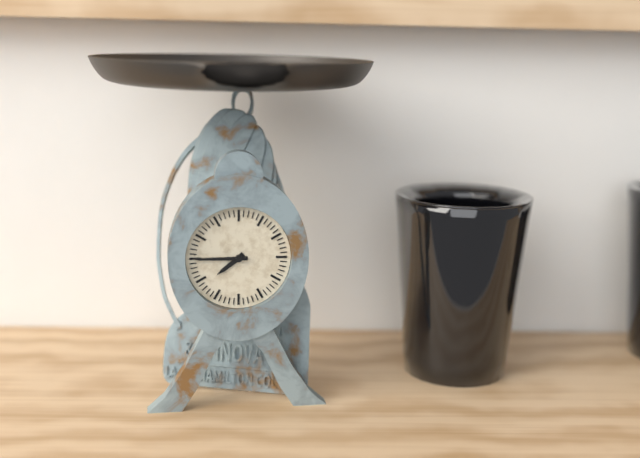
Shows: **7:45**
